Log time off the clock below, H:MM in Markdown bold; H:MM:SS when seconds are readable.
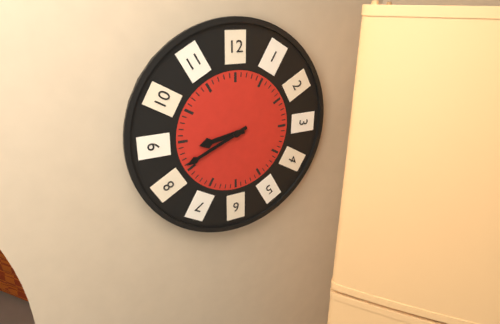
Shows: **8:41**
